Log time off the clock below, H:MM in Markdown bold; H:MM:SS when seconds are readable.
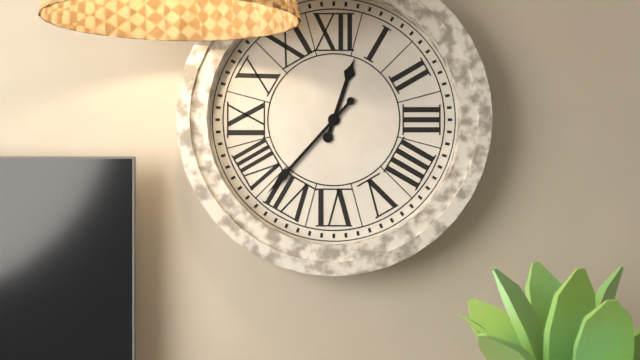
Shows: **12:37**
